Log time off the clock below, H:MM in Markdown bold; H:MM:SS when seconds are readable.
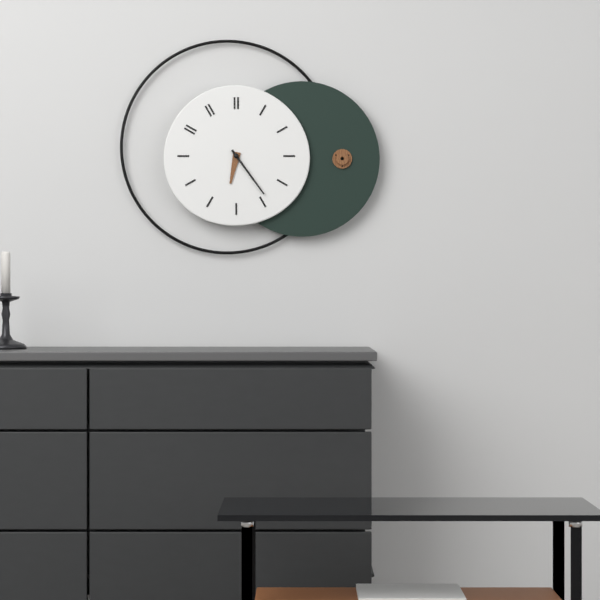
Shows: **6:24**
